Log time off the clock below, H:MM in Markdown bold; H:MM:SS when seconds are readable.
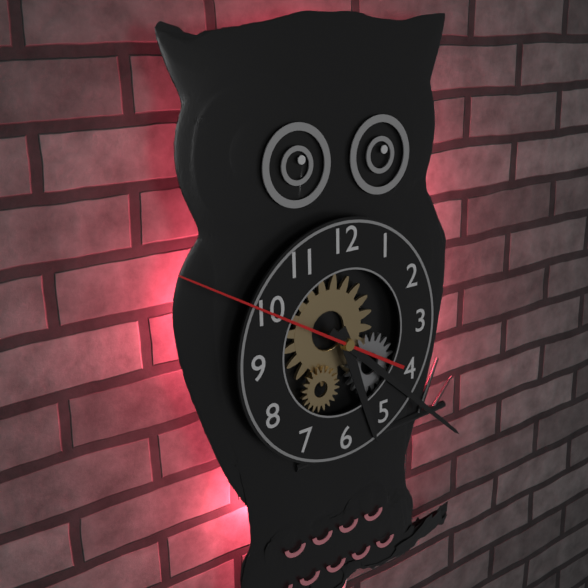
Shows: **5:22:50**
